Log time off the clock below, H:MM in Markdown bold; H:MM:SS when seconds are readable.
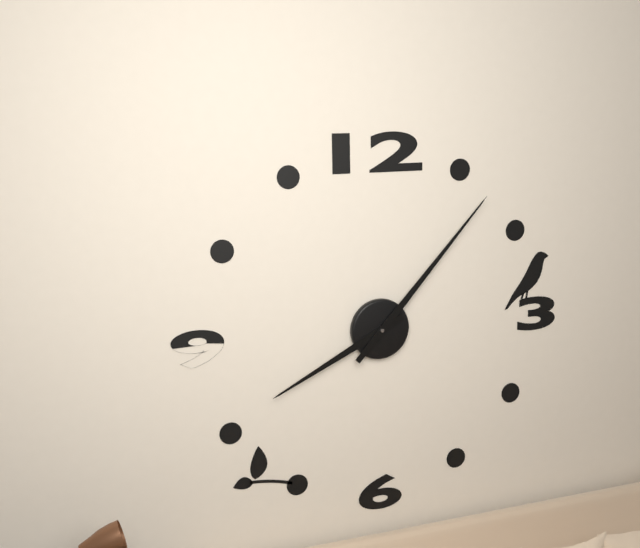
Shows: **8:07**
